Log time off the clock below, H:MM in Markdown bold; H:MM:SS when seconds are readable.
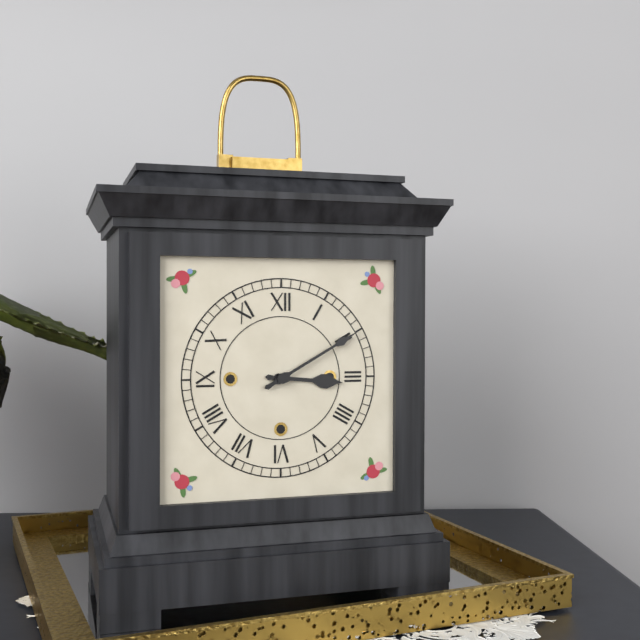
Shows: **3:10**
